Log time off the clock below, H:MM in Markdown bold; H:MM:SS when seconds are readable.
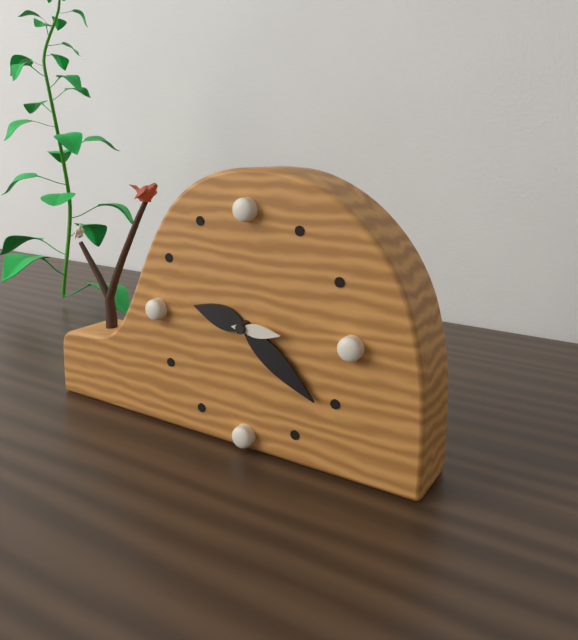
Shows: **9:21**
